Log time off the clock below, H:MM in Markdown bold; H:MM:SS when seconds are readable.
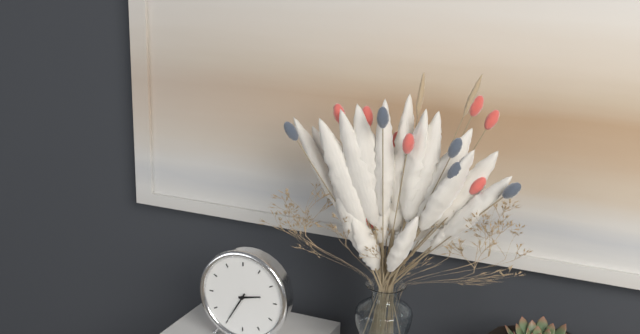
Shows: **2:35**
